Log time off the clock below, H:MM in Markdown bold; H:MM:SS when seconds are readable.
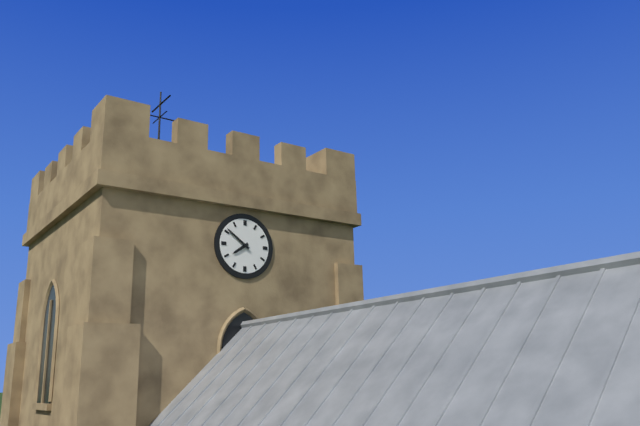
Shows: **7:51**
